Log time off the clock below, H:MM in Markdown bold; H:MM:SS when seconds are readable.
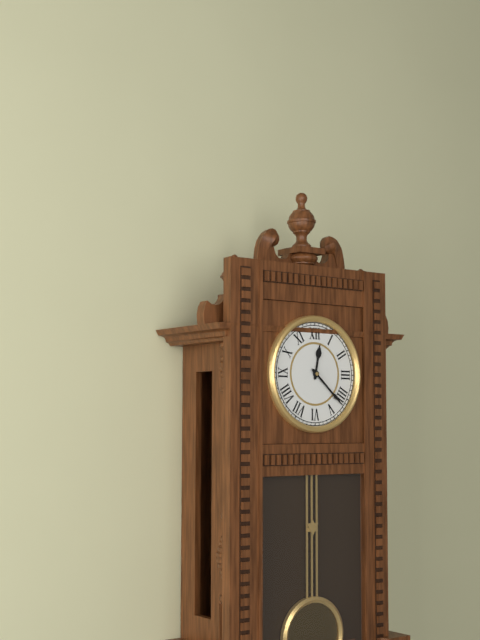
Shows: **12:22**
